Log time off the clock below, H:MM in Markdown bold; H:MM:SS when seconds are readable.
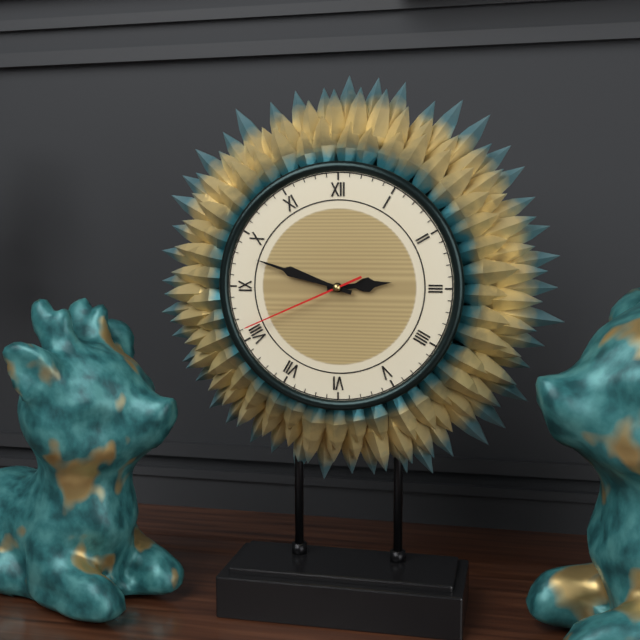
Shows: **2:48:41**
